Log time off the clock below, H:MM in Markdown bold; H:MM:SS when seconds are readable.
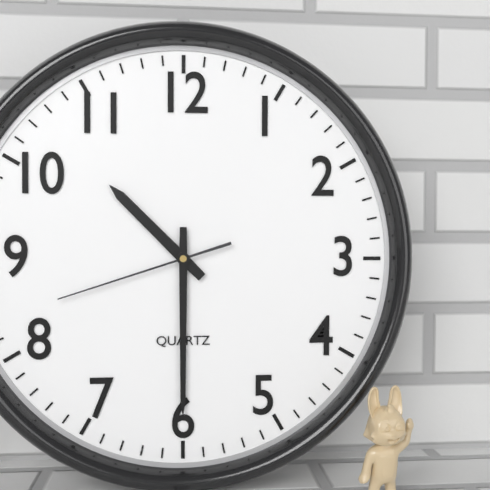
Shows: **10:30:42**
